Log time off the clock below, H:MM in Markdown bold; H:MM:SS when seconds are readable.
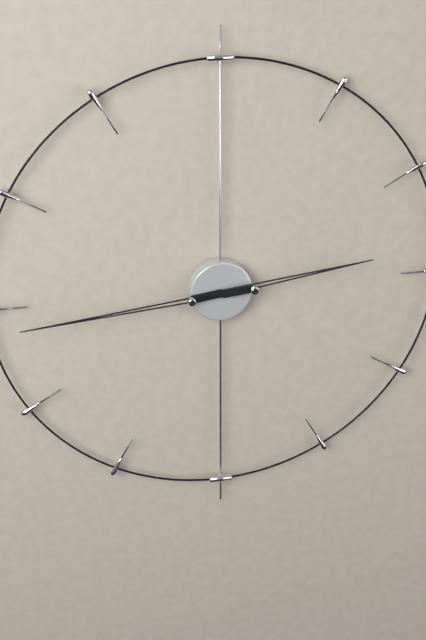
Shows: **2:44**
